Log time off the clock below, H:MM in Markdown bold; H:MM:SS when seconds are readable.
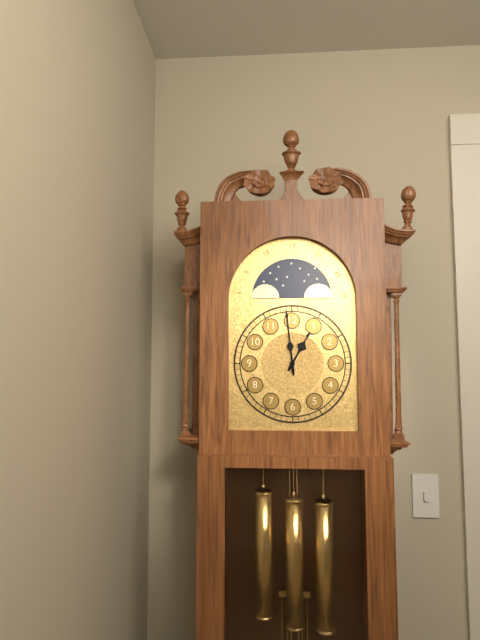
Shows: **12:59**
